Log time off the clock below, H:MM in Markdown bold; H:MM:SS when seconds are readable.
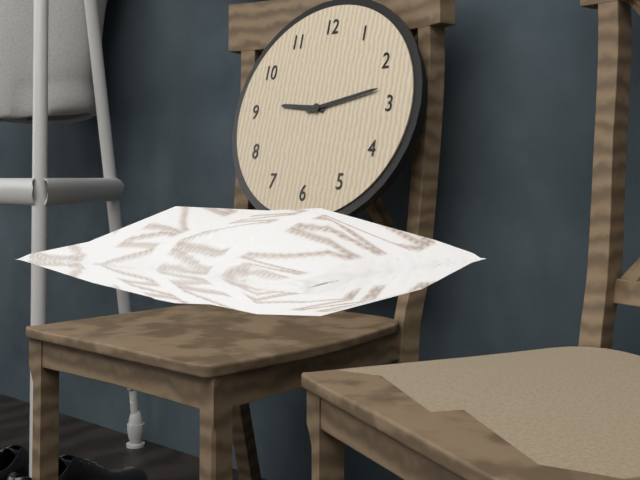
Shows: **9:13**
